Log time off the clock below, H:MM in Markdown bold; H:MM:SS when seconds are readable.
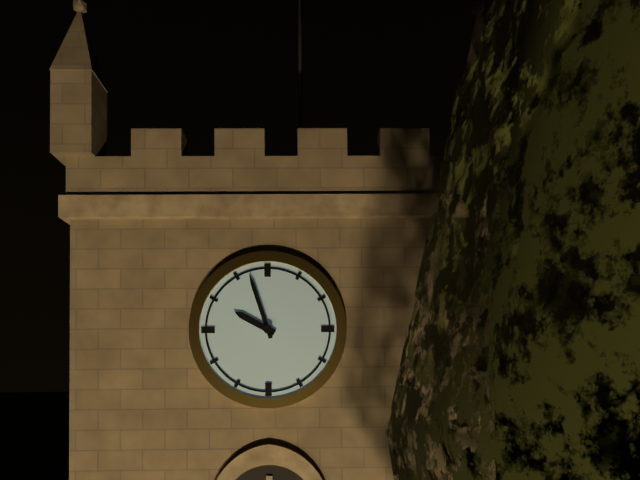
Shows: **9:57**
